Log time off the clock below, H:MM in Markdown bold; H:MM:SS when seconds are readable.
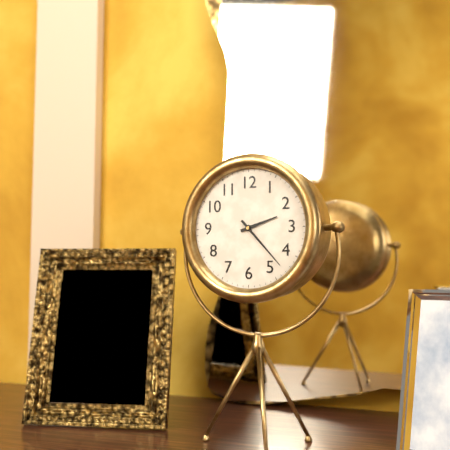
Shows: **2:23**
